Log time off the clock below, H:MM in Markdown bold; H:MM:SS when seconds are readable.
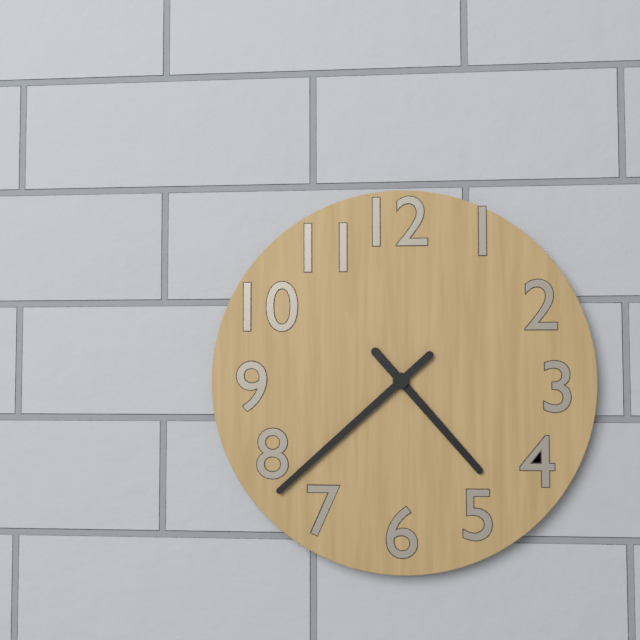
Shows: **4:38**
